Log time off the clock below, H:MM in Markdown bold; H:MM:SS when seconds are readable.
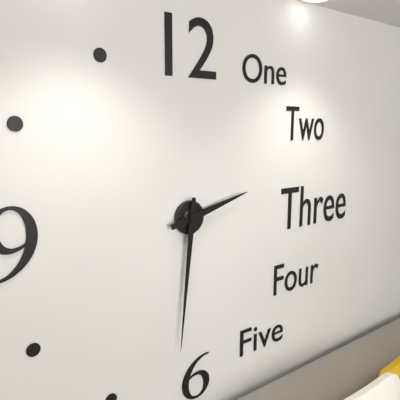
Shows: **2:31**
